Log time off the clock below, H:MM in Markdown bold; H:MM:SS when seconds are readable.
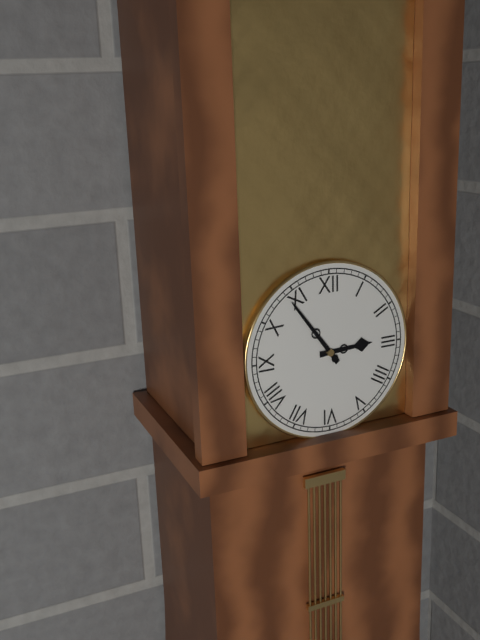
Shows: **2:54**
